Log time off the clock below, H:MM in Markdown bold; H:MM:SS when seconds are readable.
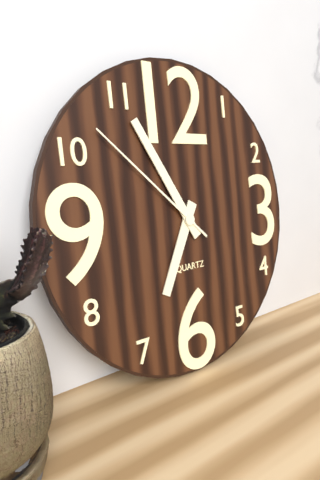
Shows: **6:55:52**
